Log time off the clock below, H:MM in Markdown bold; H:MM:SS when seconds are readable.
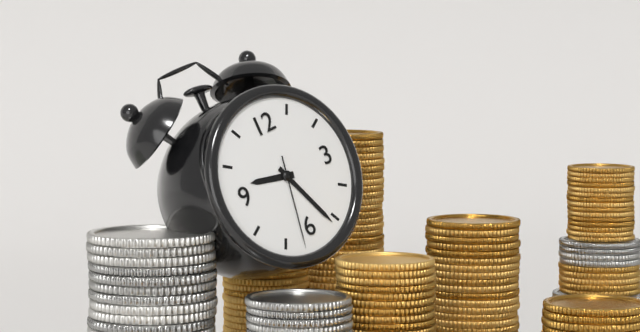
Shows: **9:26:32**
